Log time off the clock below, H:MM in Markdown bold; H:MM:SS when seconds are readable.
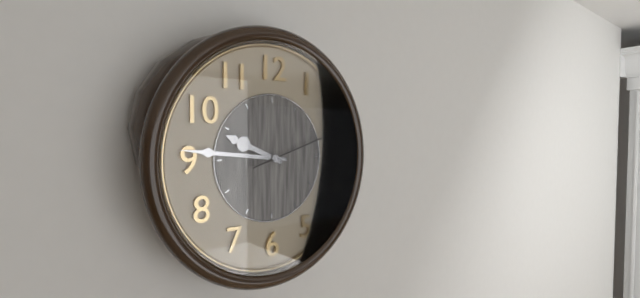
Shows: **9:46:12**
